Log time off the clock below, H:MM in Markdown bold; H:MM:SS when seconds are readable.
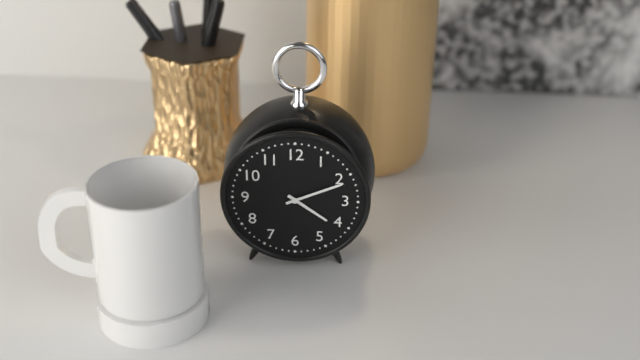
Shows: **4:11**
